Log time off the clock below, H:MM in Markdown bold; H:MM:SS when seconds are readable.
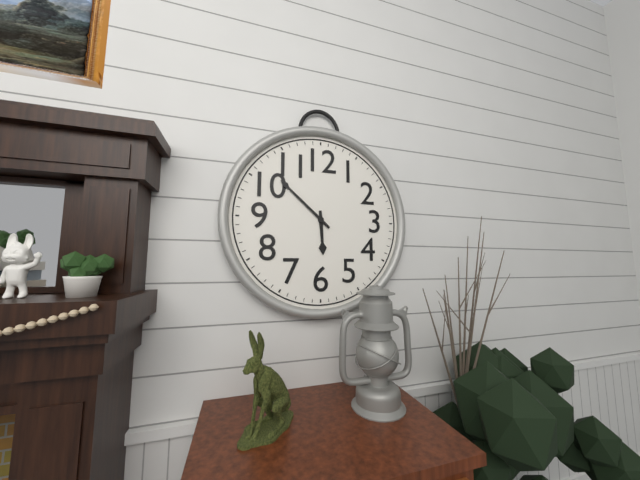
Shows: **5:52**
